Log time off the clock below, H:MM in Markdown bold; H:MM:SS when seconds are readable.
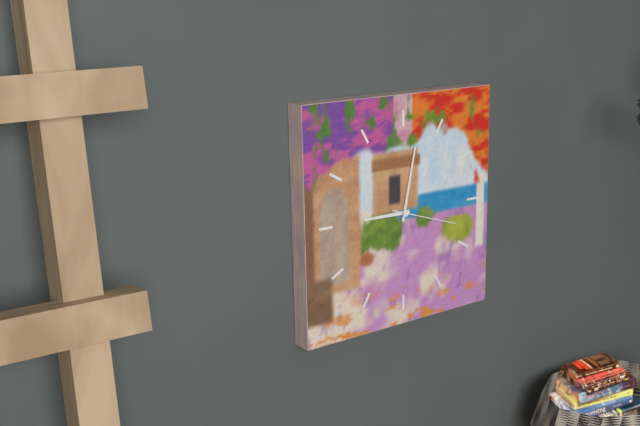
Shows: **9:02:18**
